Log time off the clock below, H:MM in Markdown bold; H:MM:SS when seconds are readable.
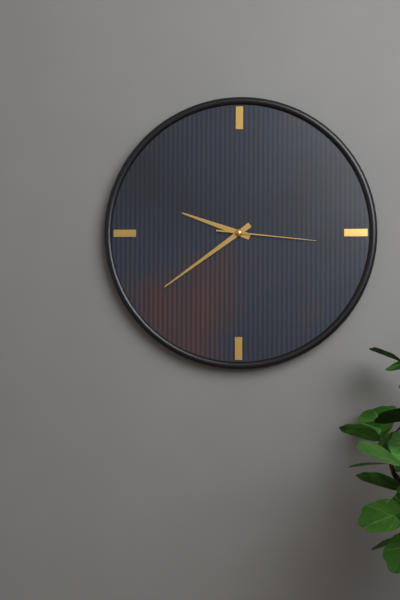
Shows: **9:39:16**
